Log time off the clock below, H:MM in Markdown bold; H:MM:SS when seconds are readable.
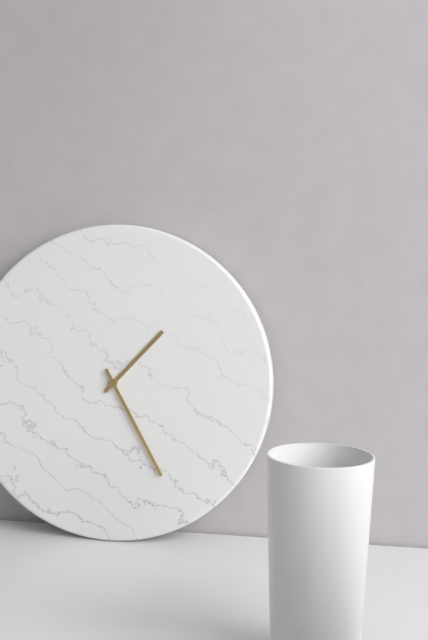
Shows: **1:25**
